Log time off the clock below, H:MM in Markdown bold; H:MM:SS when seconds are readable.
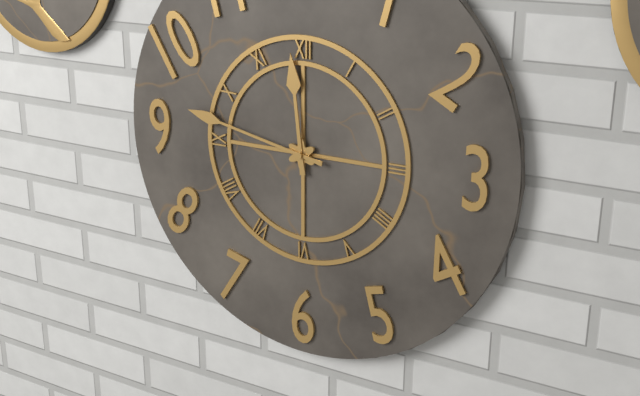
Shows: **11:47**
